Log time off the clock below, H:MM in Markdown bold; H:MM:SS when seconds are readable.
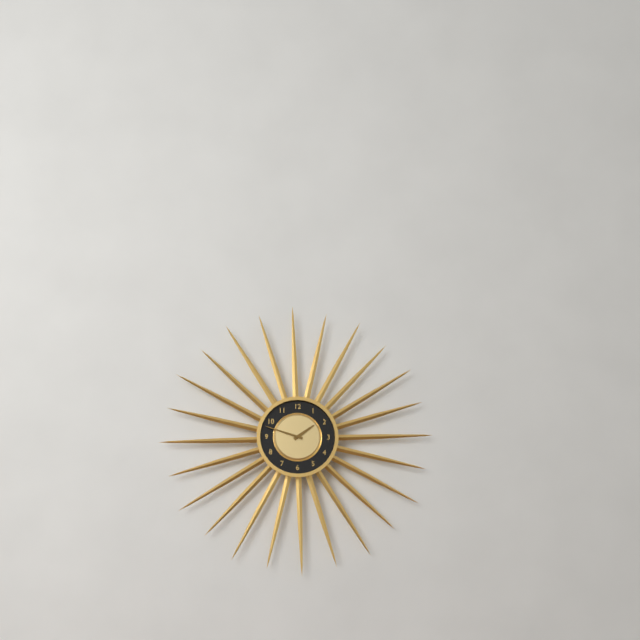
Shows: **1:48**
